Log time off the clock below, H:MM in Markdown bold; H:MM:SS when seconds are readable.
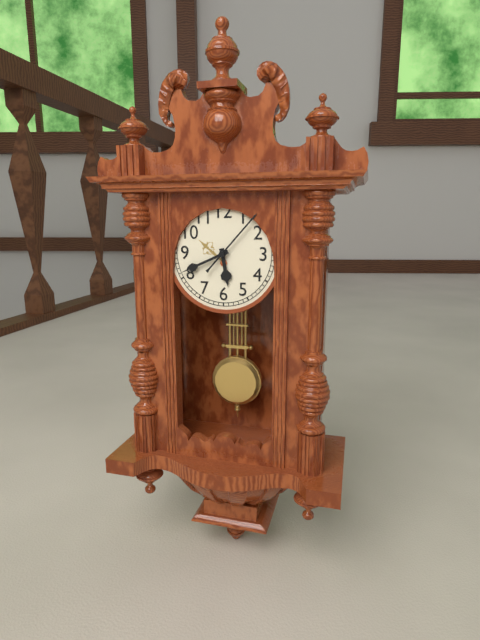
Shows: **5:41:07**
